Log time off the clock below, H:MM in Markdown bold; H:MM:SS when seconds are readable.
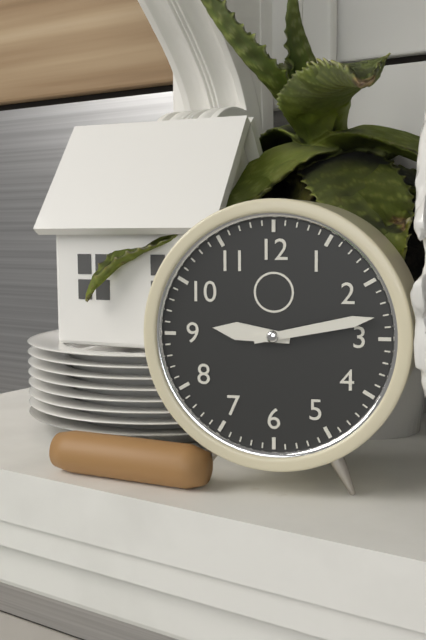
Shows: **9:13**
